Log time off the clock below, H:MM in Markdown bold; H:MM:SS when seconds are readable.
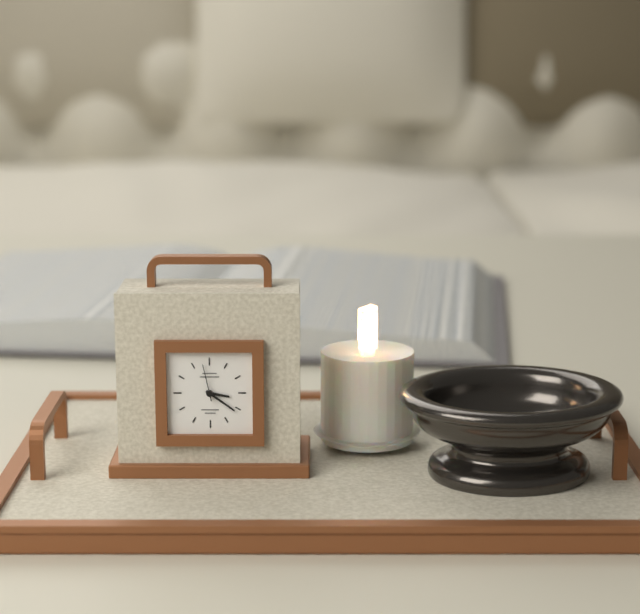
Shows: **3:21**
